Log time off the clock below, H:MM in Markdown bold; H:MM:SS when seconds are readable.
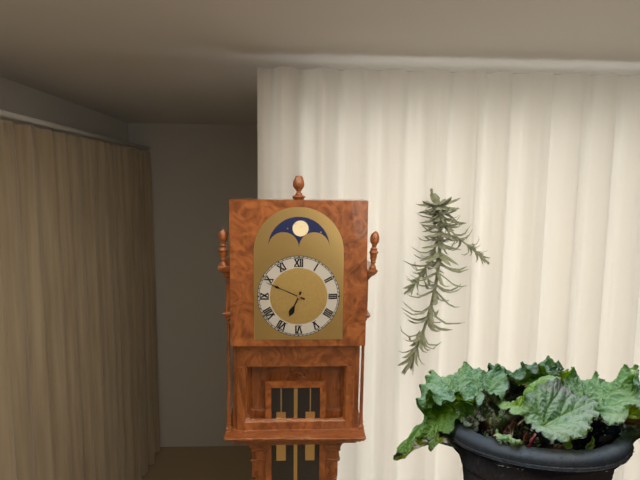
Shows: **6:49**
